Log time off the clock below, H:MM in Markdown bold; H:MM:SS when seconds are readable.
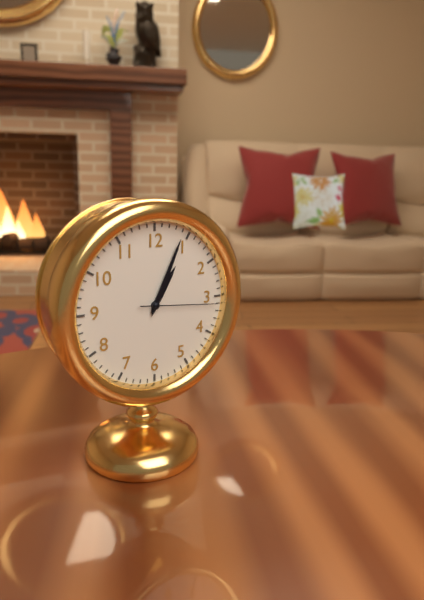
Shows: **1:04:16**
